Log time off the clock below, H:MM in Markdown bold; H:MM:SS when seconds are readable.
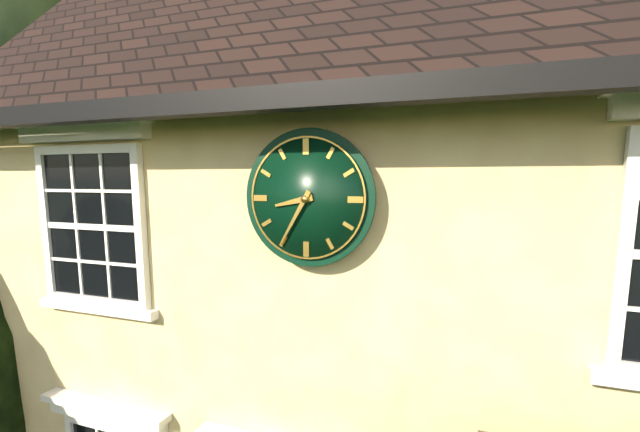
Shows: **8:35**
